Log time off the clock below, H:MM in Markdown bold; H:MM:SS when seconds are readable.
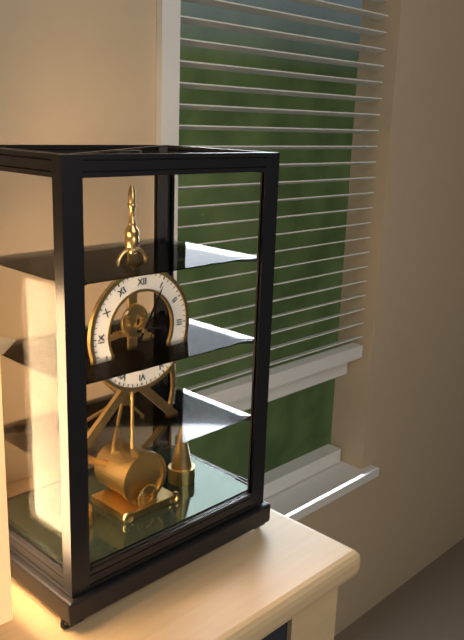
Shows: **3:05**
